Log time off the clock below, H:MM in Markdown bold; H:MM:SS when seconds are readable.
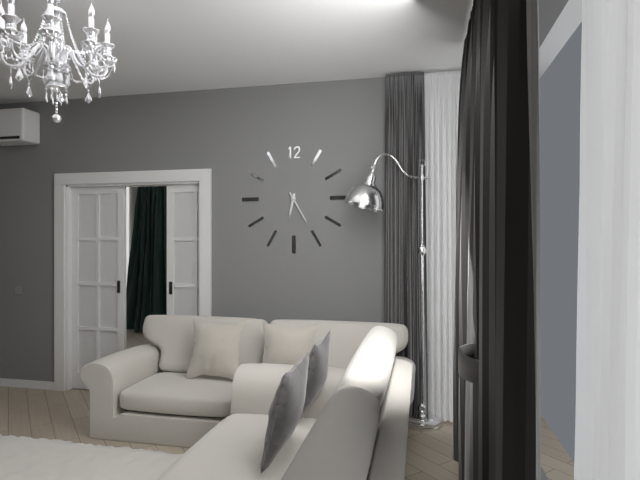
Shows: **6:25**
